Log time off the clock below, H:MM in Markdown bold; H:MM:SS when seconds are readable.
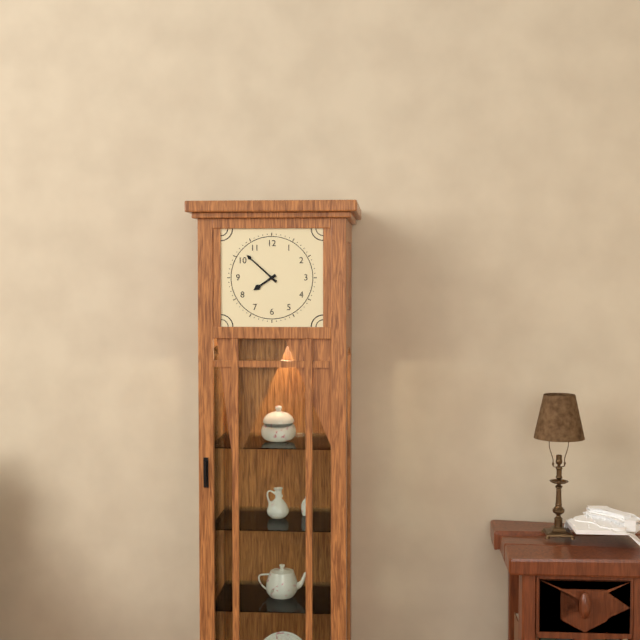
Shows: **7:52**
